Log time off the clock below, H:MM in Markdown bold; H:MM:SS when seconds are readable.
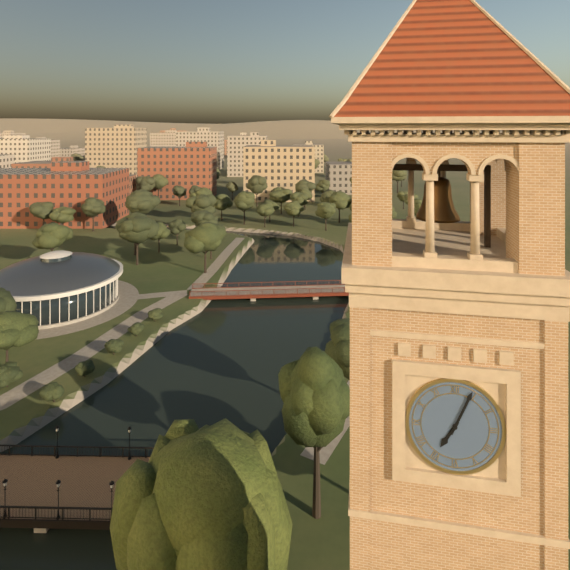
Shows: **7:04**
